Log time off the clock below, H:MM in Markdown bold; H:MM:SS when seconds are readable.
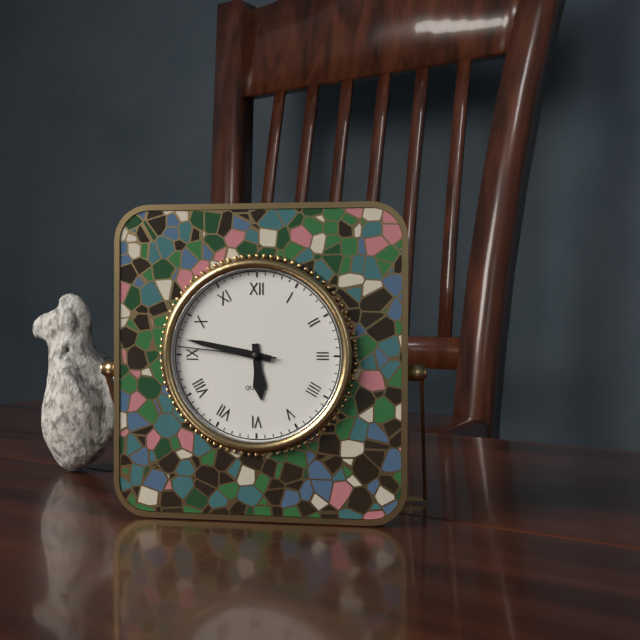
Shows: **5:47:46**
